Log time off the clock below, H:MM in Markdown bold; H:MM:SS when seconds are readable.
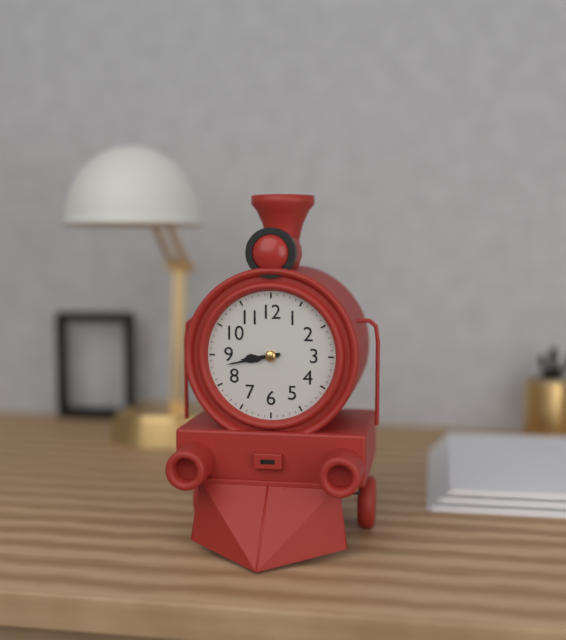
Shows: **8:43**
